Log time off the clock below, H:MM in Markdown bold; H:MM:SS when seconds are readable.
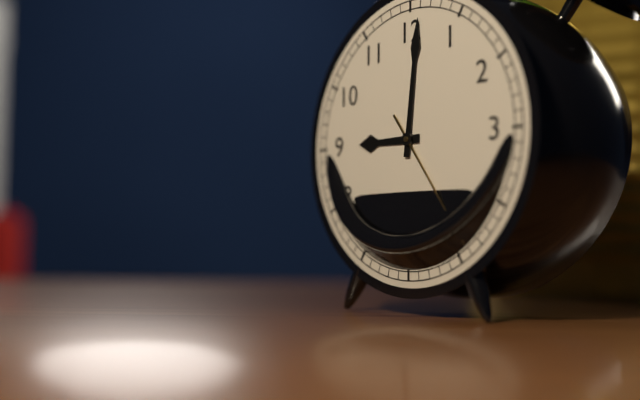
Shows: **9:01:24**
